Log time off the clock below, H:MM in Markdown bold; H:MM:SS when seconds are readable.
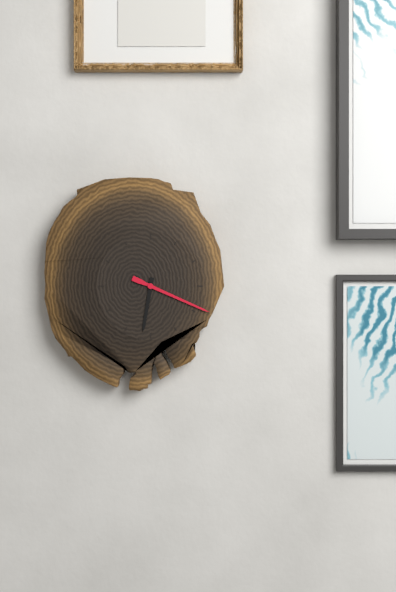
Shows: **6:19**
